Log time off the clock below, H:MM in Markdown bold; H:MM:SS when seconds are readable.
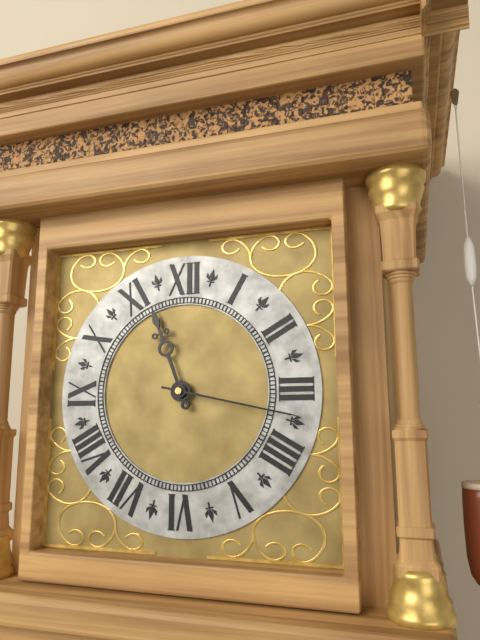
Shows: **11:17**
